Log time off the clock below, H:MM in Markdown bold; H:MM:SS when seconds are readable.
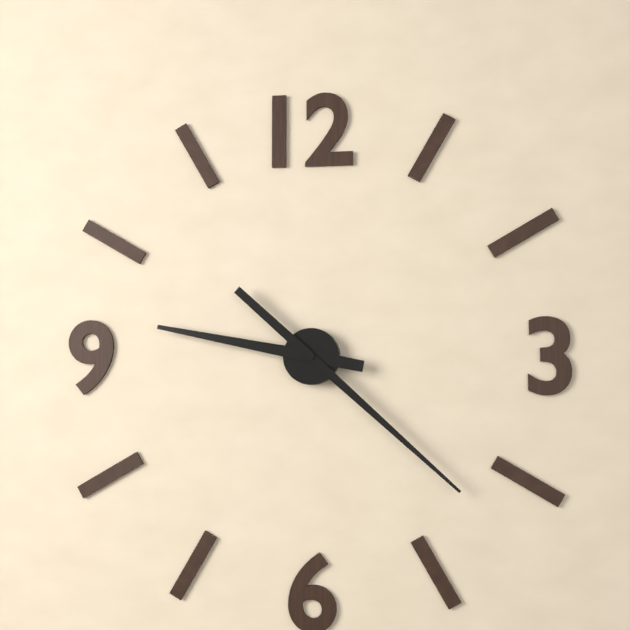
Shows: **9:22**
